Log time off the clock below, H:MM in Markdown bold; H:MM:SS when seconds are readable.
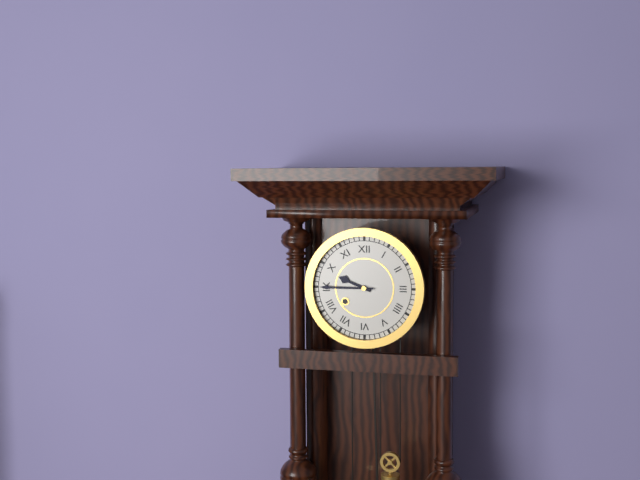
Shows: **9:45**
